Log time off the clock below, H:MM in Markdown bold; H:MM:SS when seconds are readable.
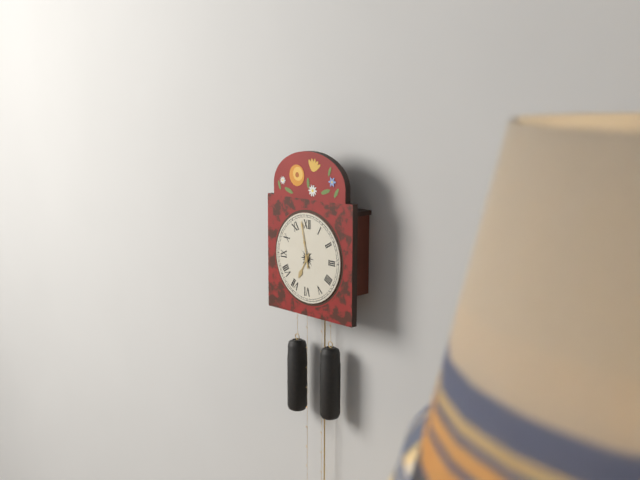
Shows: **6:58**
